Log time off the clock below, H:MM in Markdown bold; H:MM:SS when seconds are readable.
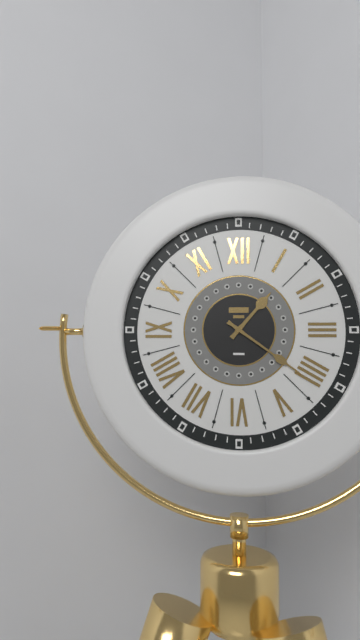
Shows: **1:21**
